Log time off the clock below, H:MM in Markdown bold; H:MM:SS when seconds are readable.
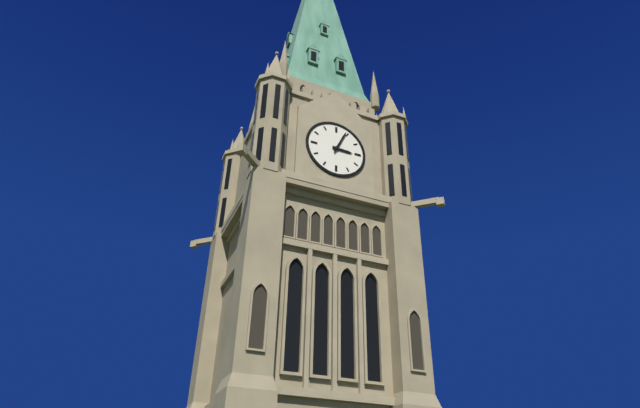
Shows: **3:04**
